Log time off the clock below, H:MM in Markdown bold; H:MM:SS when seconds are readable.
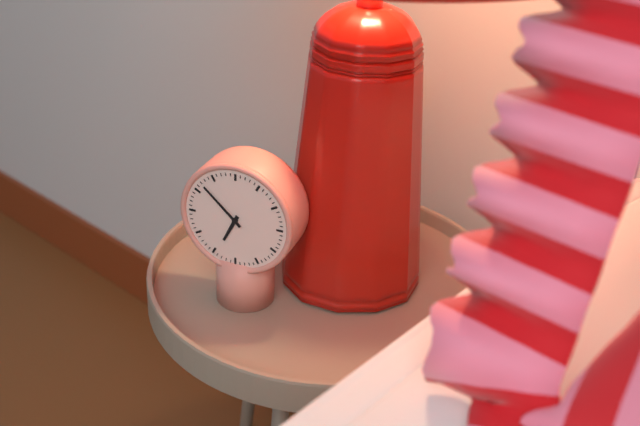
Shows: **6:52**
